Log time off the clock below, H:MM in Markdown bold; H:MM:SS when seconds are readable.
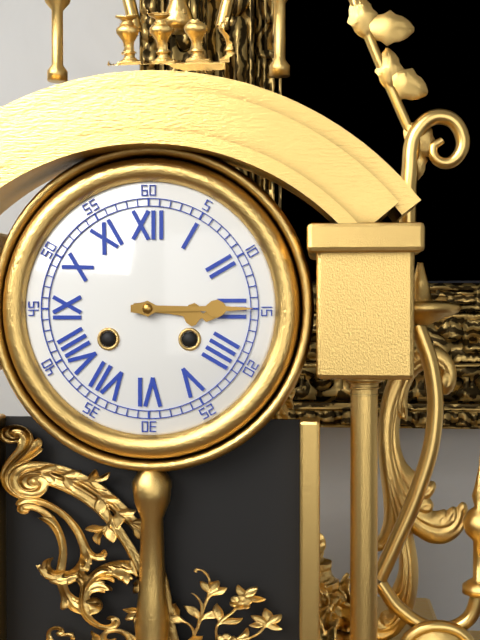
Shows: **3:15**
